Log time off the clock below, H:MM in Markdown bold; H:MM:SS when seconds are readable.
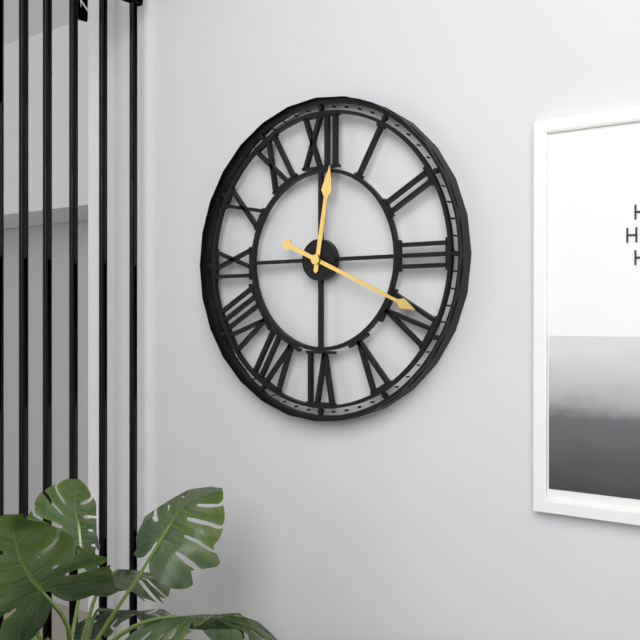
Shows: **12:19**
